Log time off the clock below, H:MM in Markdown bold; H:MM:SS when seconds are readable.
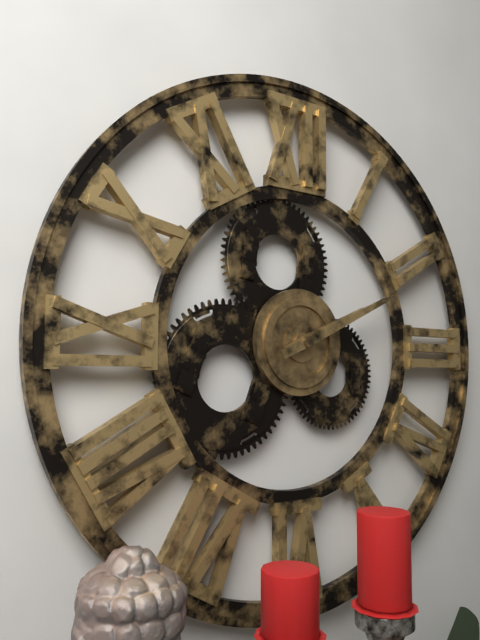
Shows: **2:11**
